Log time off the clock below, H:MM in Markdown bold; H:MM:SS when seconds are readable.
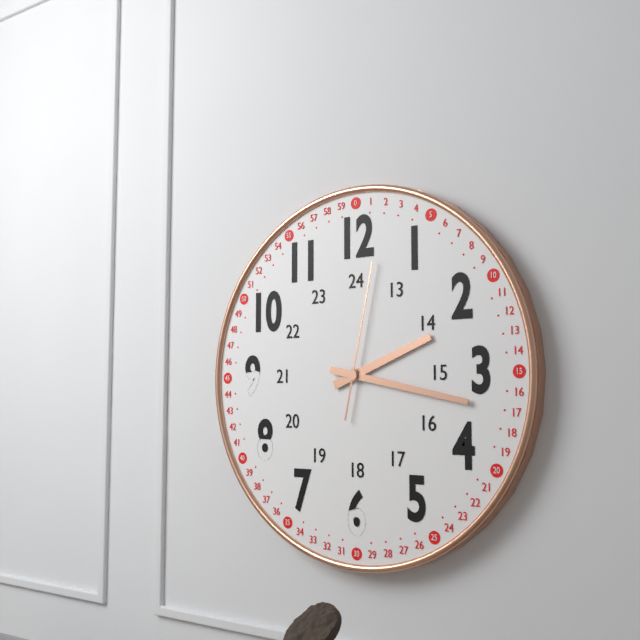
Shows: **2:17:02**
